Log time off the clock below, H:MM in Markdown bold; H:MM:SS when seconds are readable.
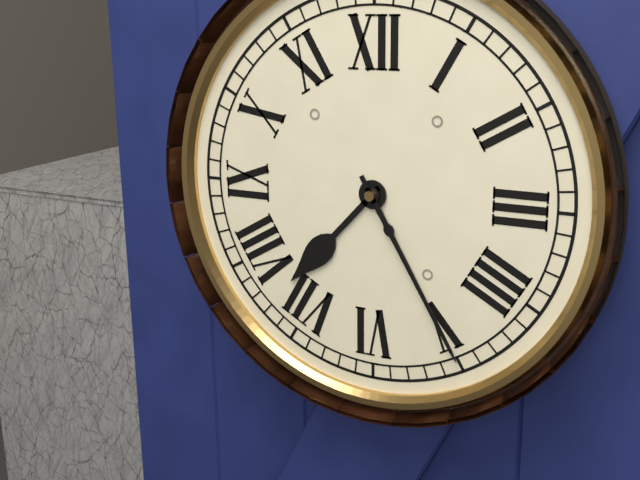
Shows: **7:25**
